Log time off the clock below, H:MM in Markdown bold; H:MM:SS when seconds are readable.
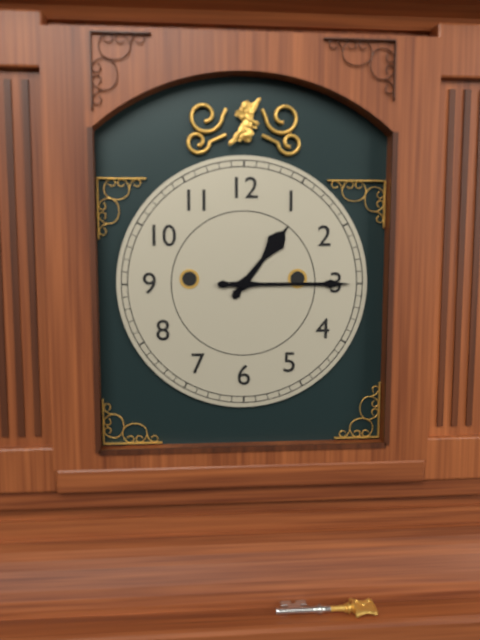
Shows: **1:15**
